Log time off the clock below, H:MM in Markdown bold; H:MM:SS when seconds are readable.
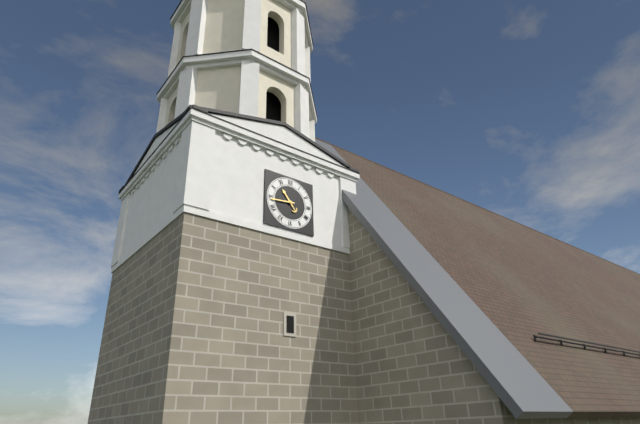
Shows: **10:44**
